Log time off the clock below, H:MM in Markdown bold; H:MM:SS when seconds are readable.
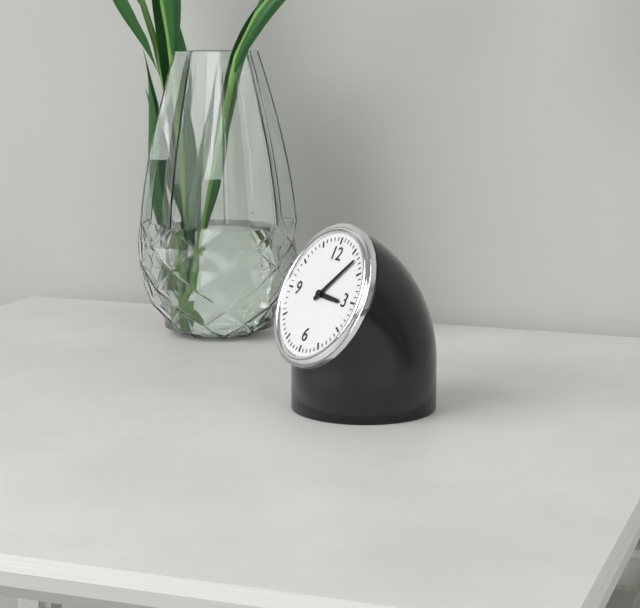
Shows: **3:07**
